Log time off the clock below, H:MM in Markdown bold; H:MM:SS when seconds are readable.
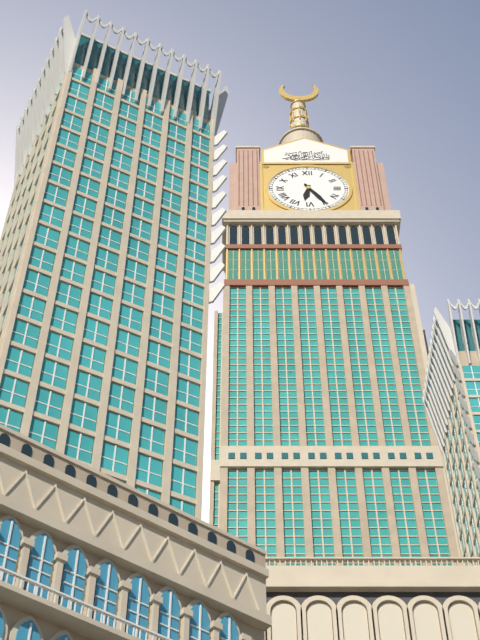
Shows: **6:25**
